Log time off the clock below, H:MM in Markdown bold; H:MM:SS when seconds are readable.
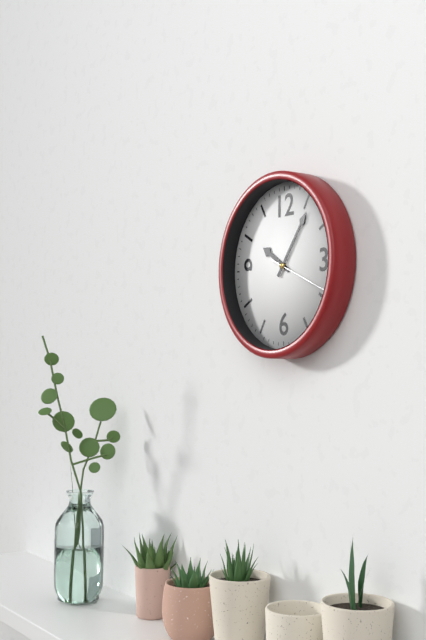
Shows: **10:06**
